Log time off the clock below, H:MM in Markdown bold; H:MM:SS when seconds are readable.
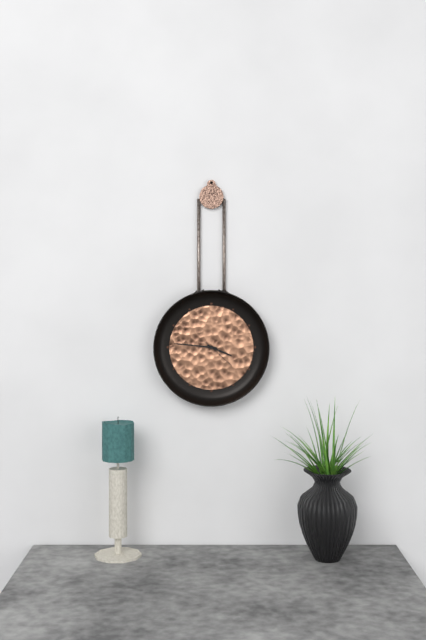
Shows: **3:46**
